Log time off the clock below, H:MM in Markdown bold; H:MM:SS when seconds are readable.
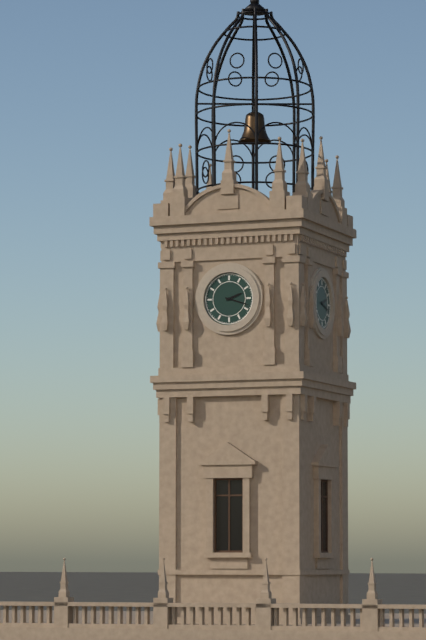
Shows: **2:18**
